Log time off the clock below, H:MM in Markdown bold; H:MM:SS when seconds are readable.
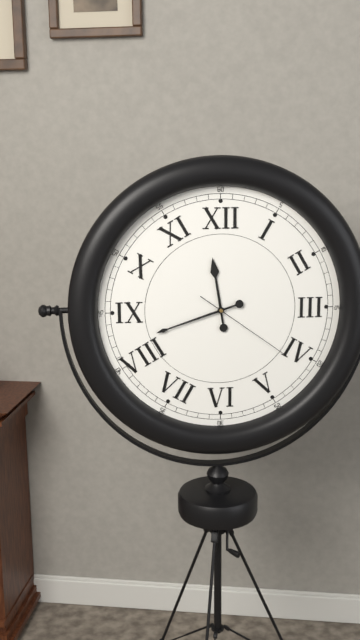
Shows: **11:42:21**
